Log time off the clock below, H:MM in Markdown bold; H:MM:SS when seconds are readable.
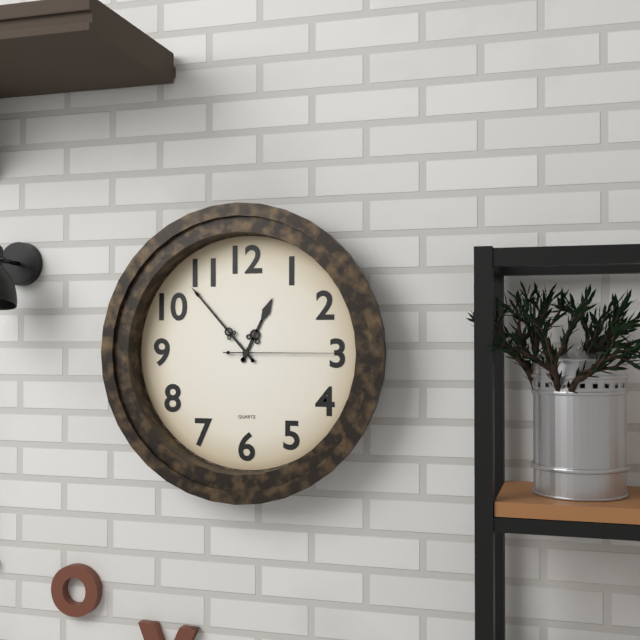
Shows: **12:53:15**
